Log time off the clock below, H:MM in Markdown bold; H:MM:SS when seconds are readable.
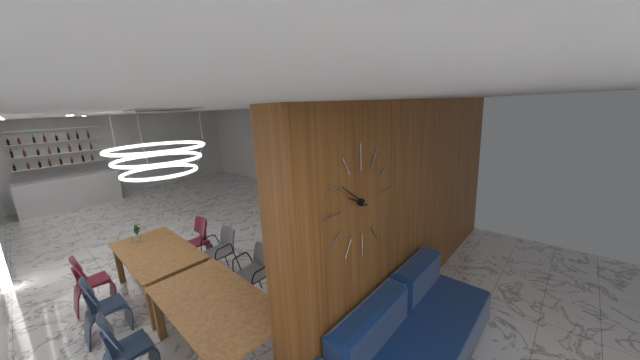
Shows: **9:51**
